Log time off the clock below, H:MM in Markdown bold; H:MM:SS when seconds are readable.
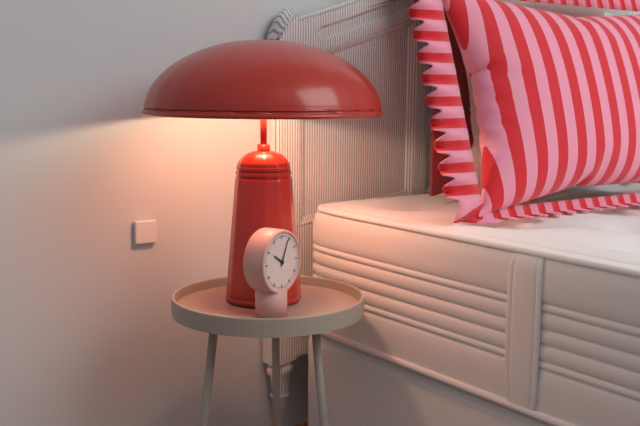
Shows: **10:04**
